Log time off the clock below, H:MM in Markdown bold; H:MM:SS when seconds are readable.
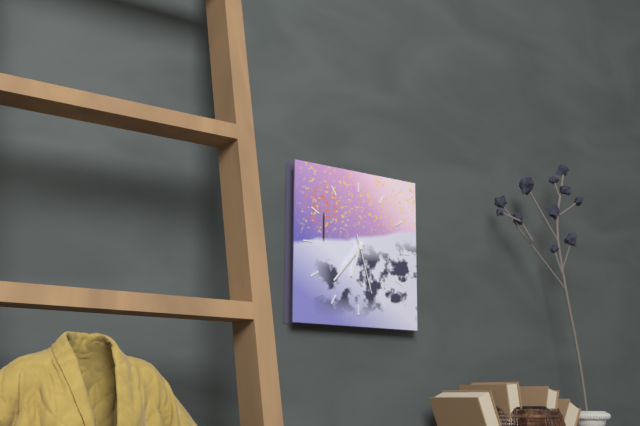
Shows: **6:37:27**
